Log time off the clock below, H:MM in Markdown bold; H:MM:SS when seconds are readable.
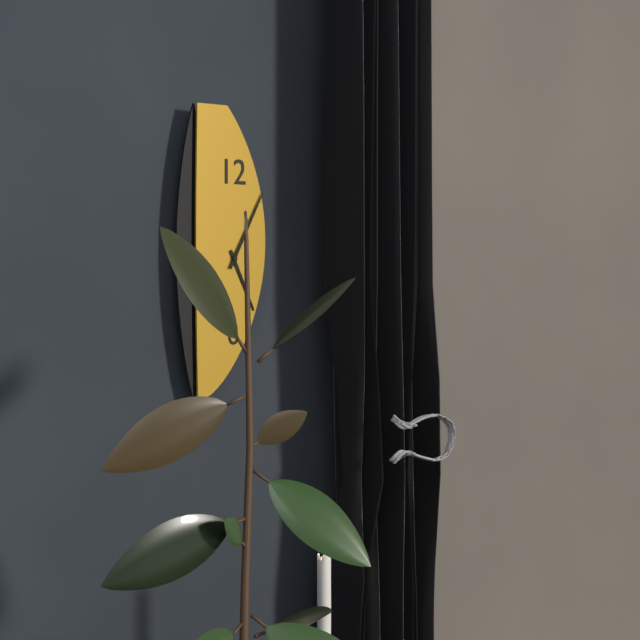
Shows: **5:05**
